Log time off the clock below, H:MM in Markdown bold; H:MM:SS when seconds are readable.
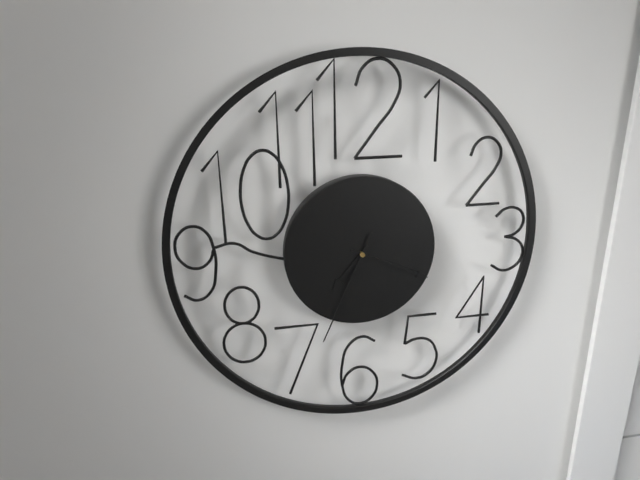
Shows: **7:19:34**
